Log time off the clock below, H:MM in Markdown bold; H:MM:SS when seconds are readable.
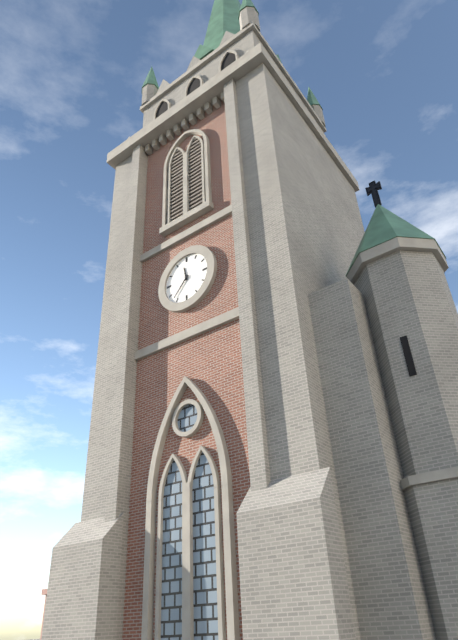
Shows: **11:37**
